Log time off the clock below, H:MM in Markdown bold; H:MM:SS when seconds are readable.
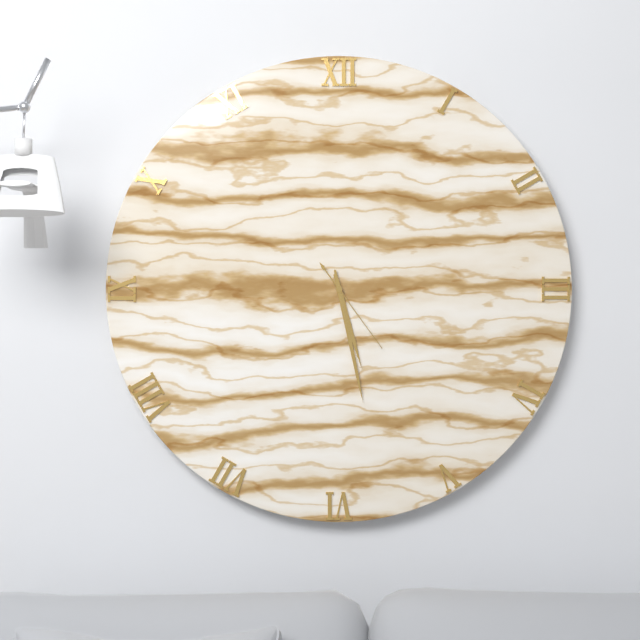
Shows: **5:28:24**
